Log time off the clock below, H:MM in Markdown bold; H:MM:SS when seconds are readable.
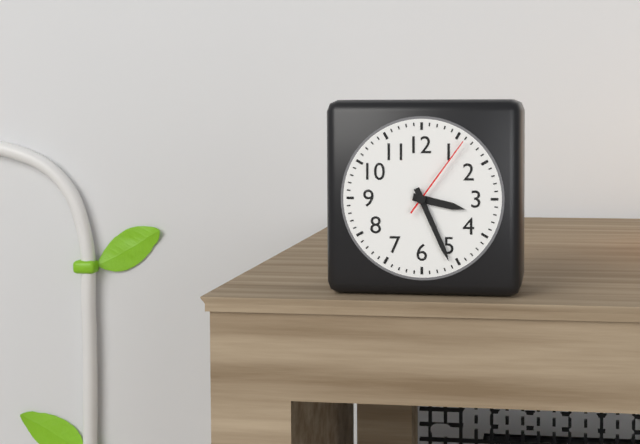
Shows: **3:26:06**
